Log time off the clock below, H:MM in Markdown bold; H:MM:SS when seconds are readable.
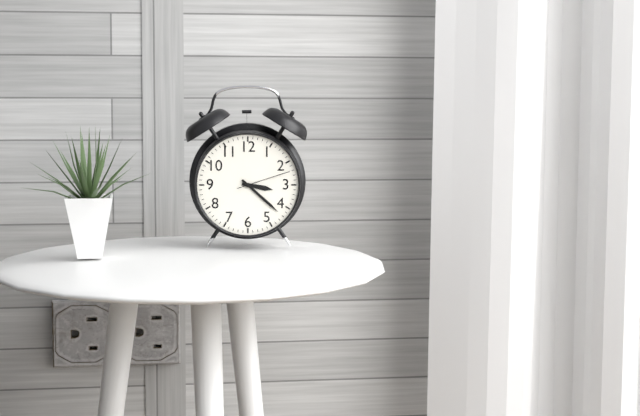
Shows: **3:22:12**
